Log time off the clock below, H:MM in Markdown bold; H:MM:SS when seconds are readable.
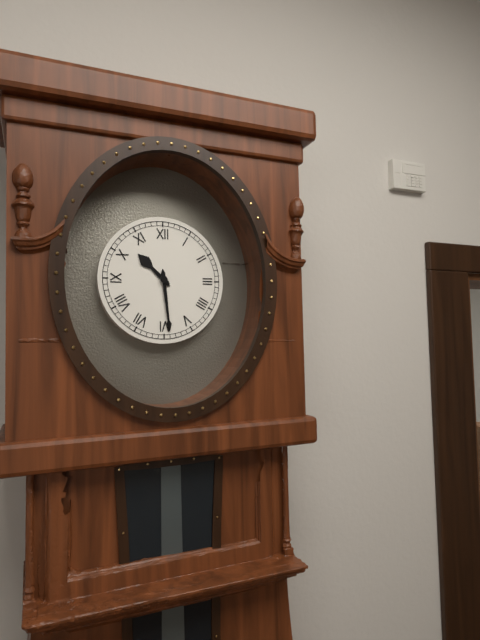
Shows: **10:29**
